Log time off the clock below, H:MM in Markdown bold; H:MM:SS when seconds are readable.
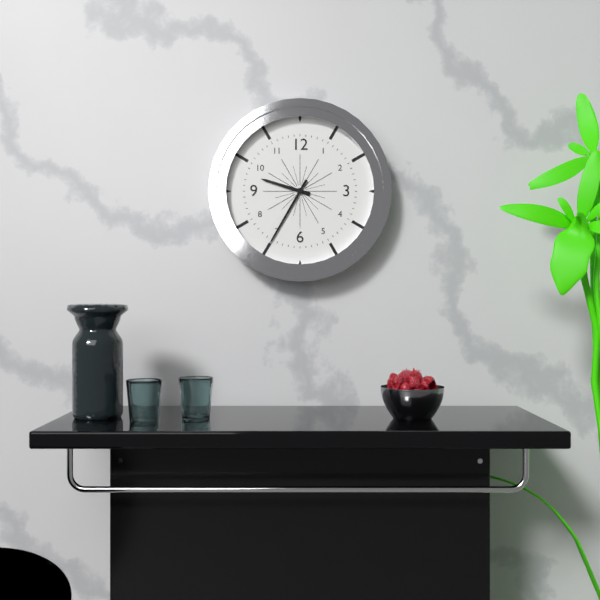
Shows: **9:35**
